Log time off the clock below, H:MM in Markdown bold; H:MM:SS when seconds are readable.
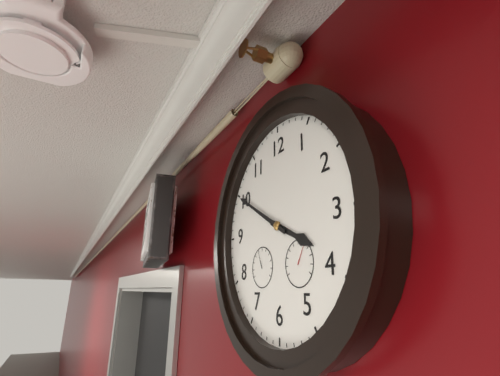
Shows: **3:50**
